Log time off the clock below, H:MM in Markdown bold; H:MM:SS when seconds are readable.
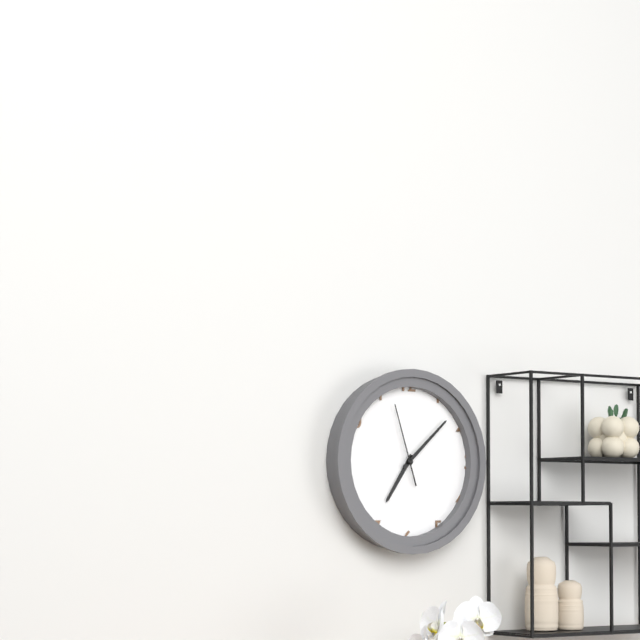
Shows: **7:08:57**
